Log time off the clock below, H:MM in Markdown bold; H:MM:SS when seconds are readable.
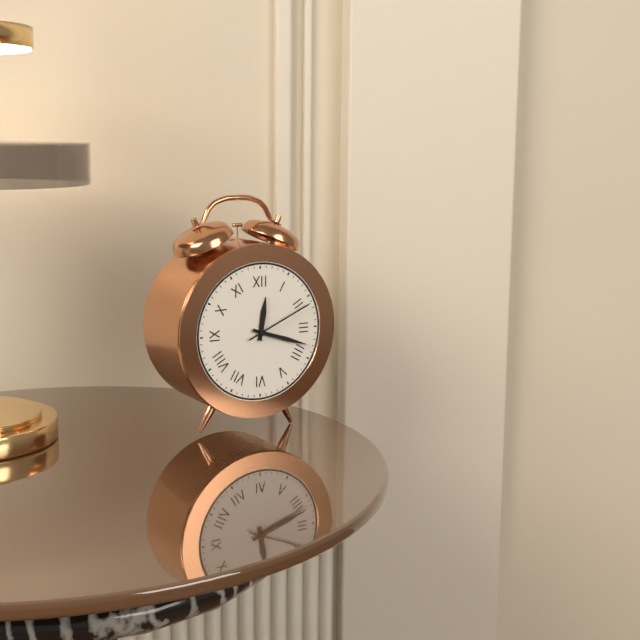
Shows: **12:18:11**
